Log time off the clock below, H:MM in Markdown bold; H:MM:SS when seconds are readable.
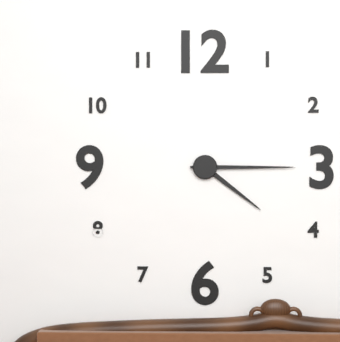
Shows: **4:15**
